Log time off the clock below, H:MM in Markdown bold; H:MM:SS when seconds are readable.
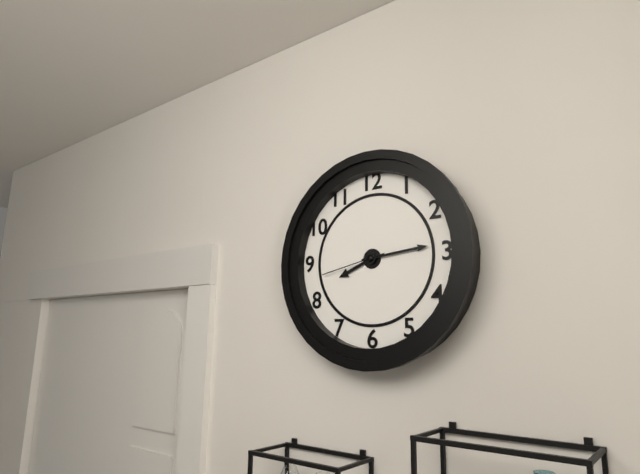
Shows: **8:14:43**
